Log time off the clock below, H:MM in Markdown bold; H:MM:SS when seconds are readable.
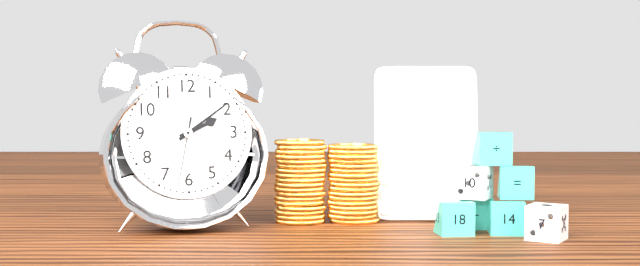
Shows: **2:09:32**
